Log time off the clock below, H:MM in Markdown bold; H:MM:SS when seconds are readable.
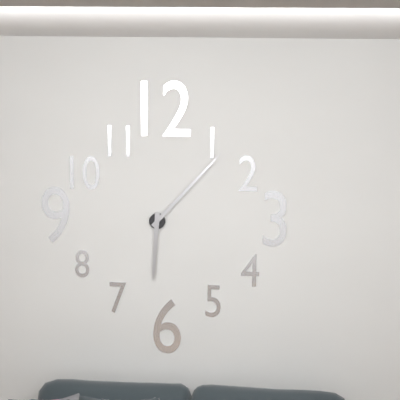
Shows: **6:07**
